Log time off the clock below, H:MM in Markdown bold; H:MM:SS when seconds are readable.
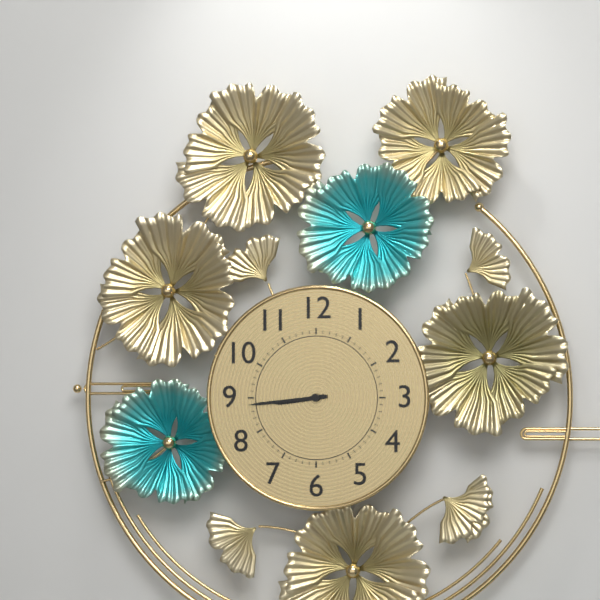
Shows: **8:44**
